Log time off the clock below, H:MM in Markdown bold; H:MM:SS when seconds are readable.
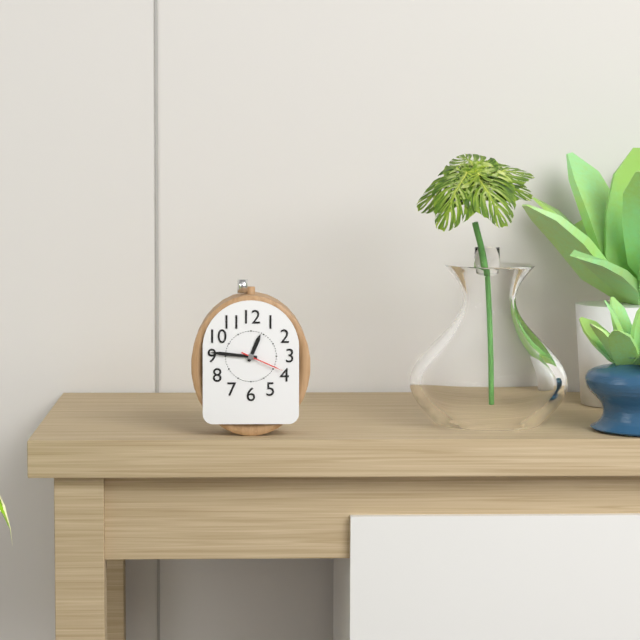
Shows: **12:46**
